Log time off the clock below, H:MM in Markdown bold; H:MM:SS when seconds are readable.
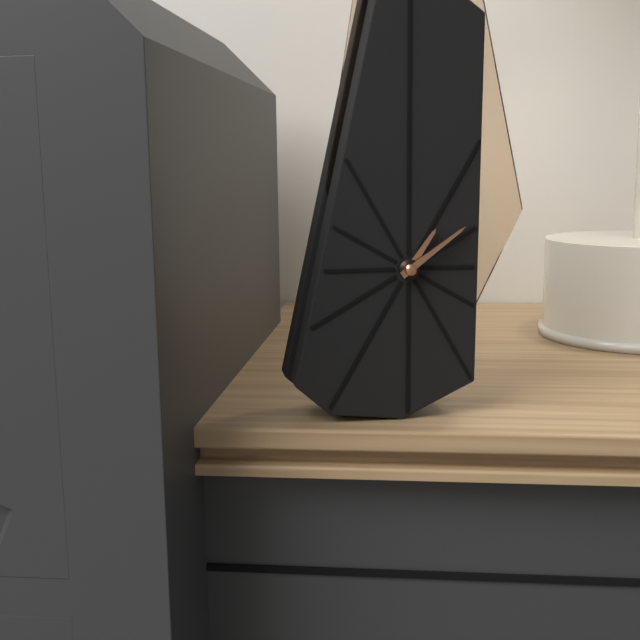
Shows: **1:09**
